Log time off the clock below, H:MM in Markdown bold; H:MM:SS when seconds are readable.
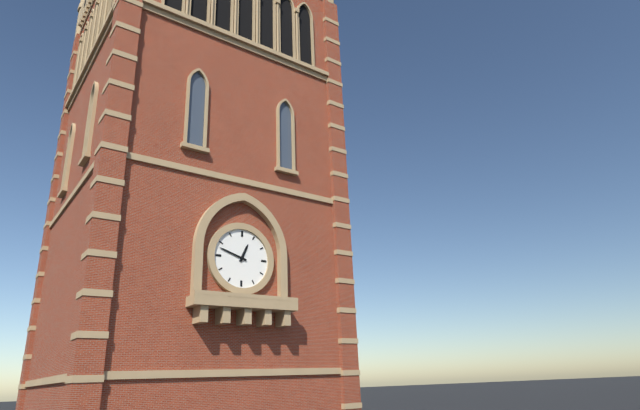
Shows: **12:48**
